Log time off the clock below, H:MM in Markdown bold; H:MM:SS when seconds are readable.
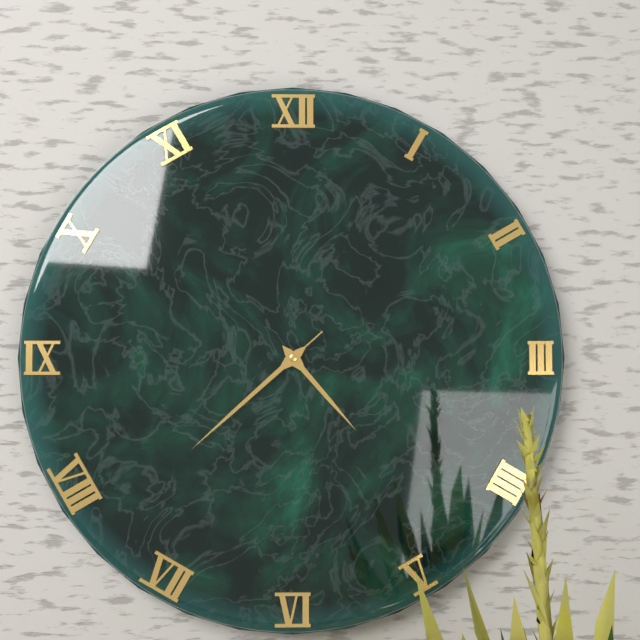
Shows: **4:38:38**
